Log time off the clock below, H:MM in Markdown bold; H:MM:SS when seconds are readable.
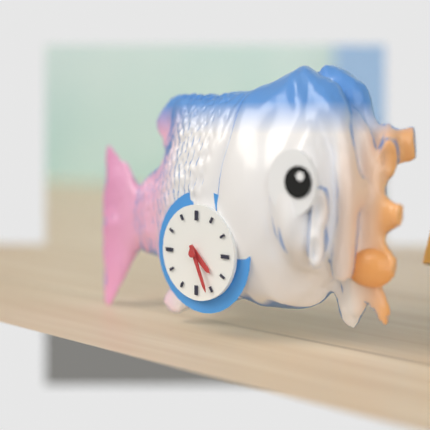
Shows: **4:26**
